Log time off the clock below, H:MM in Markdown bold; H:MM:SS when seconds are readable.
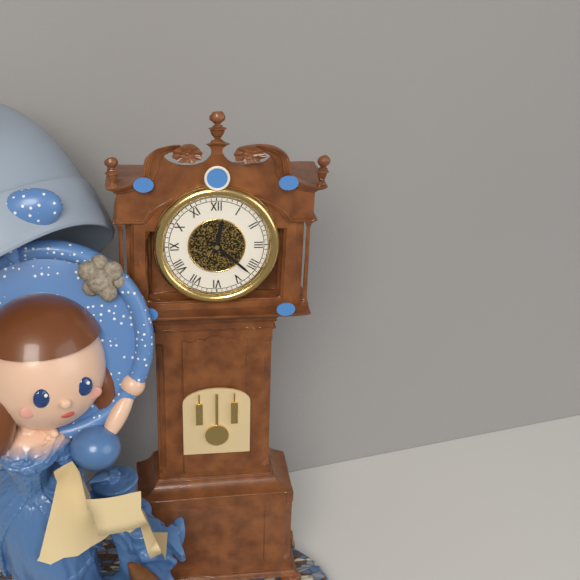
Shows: **12:22**
